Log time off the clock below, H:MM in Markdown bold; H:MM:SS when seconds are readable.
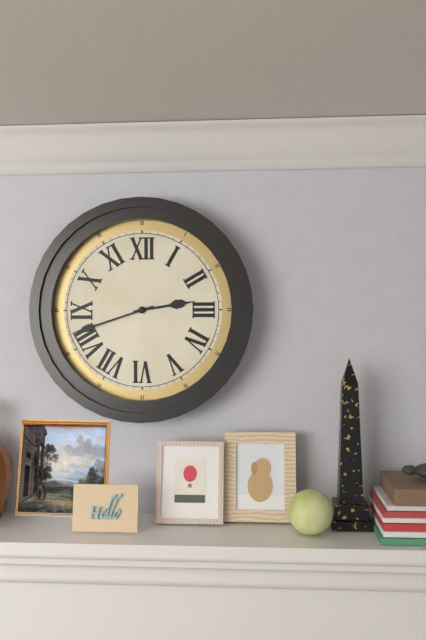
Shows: **2:42**
